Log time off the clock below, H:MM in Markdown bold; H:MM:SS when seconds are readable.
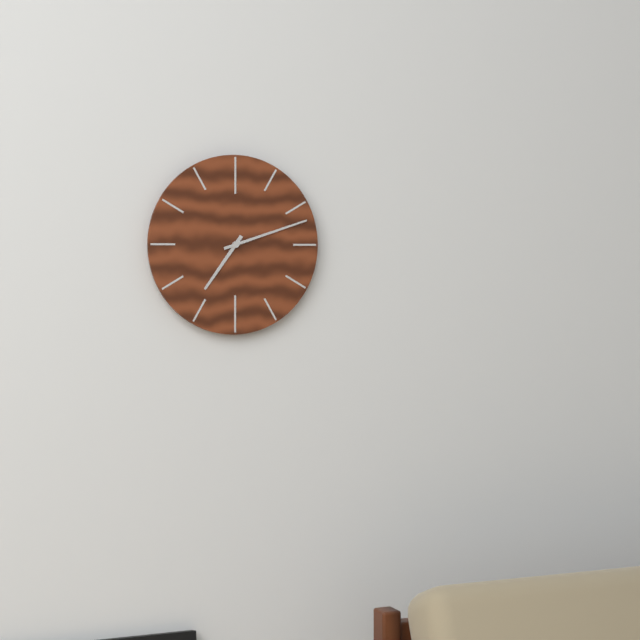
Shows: **7:12**
